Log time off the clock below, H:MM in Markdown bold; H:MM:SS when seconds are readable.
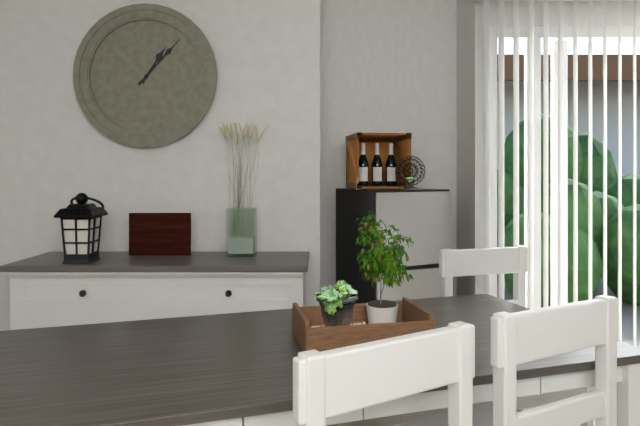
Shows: **1:07**
